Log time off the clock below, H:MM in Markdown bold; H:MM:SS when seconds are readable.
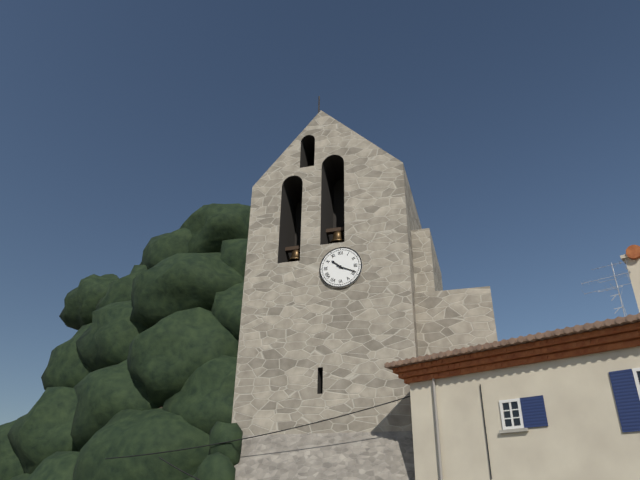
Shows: **10:19**
